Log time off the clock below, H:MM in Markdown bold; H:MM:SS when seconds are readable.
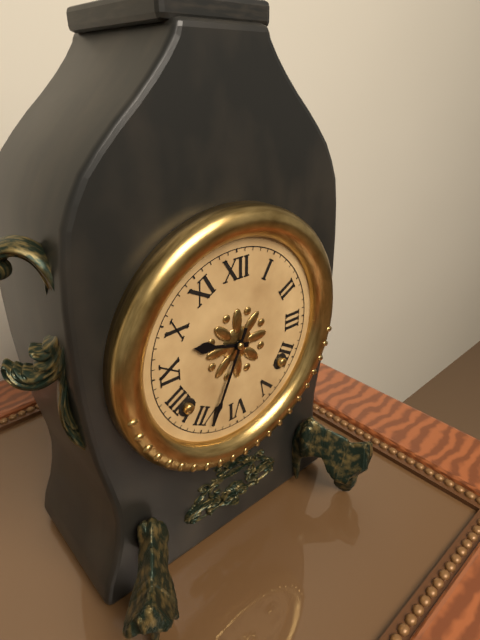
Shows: **9:34**
